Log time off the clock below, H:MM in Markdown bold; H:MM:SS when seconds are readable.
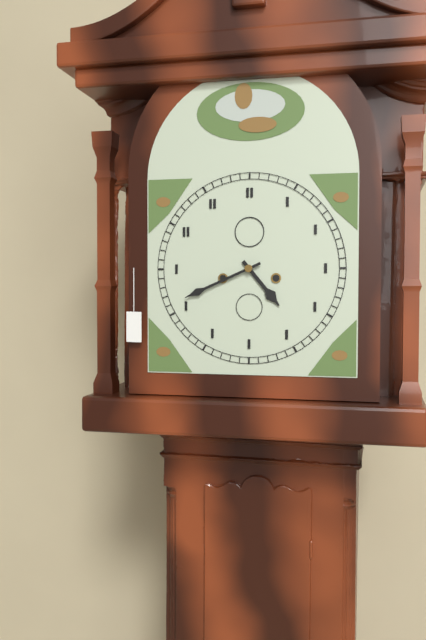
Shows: **4:41**
